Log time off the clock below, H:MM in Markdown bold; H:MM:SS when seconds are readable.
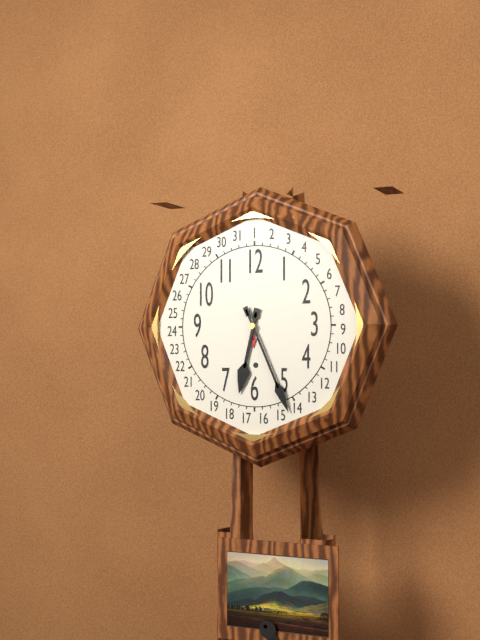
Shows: **6:26**
